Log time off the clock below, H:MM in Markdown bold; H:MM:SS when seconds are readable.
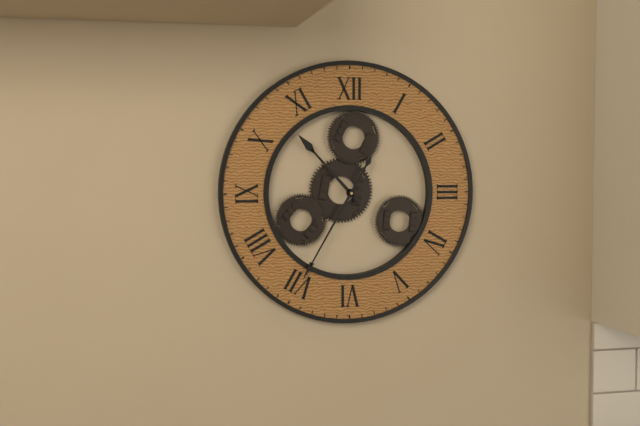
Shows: **10:35**
